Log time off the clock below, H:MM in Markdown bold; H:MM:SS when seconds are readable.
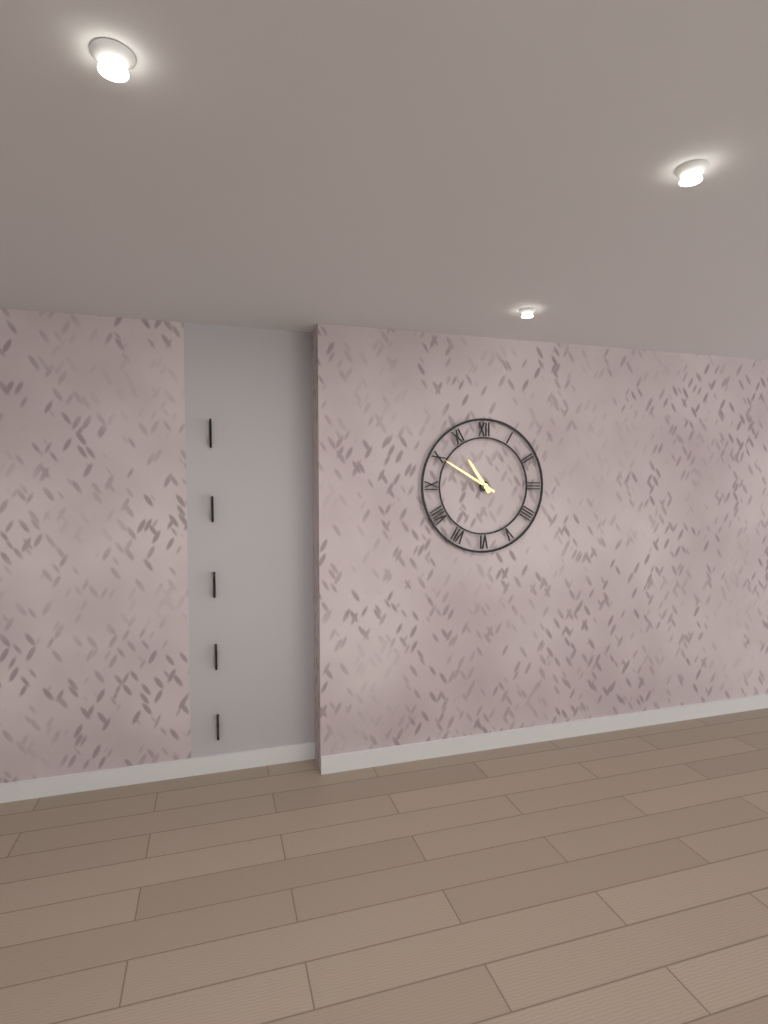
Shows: **10:50**
